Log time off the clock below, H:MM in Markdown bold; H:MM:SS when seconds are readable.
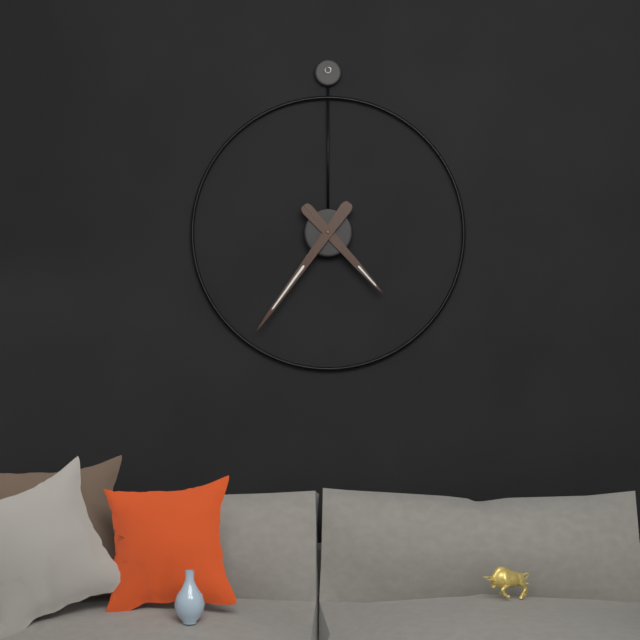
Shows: **4:36**
